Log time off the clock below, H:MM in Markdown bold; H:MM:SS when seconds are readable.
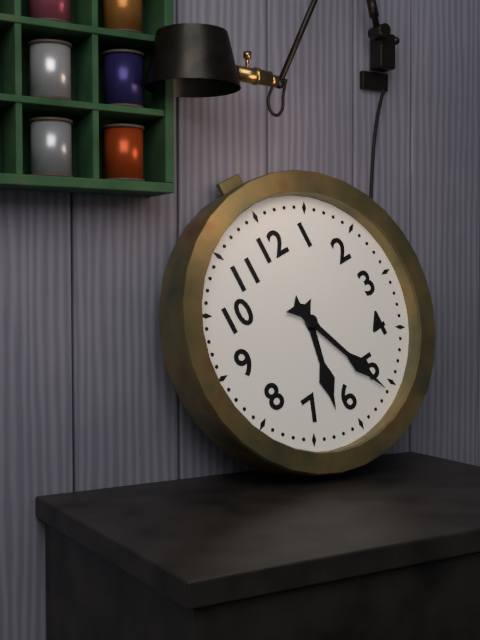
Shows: **6:26**
